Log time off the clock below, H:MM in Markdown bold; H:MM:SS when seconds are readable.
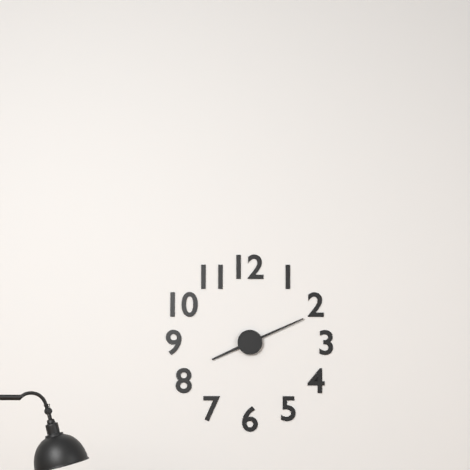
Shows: **8:11**
